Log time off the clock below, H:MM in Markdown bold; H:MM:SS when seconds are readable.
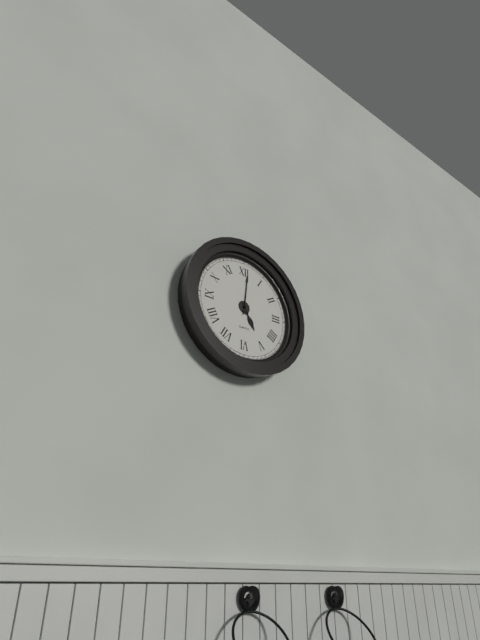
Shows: **5:01**
